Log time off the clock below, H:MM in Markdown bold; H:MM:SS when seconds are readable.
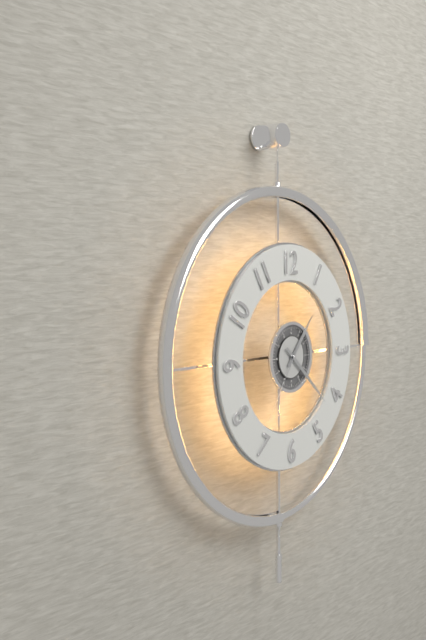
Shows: **1:22:36**
